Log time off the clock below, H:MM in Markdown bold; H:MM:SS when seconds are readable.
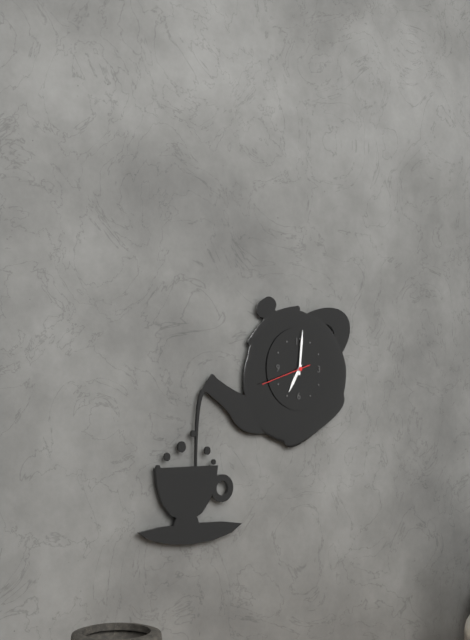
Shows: **7:01:42**
